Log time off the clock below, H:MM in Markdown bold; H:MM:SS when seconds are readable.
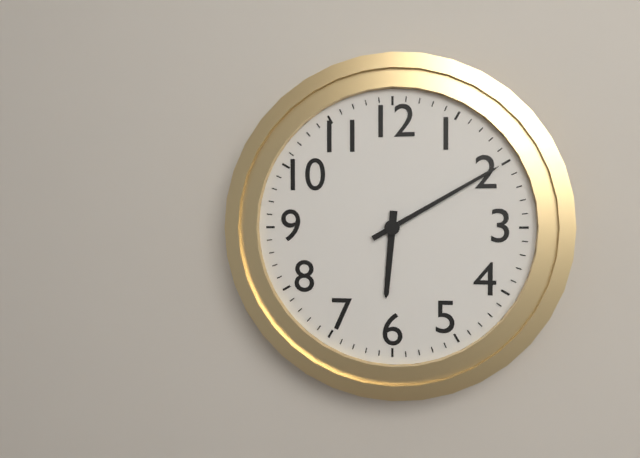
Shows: **6:10**
